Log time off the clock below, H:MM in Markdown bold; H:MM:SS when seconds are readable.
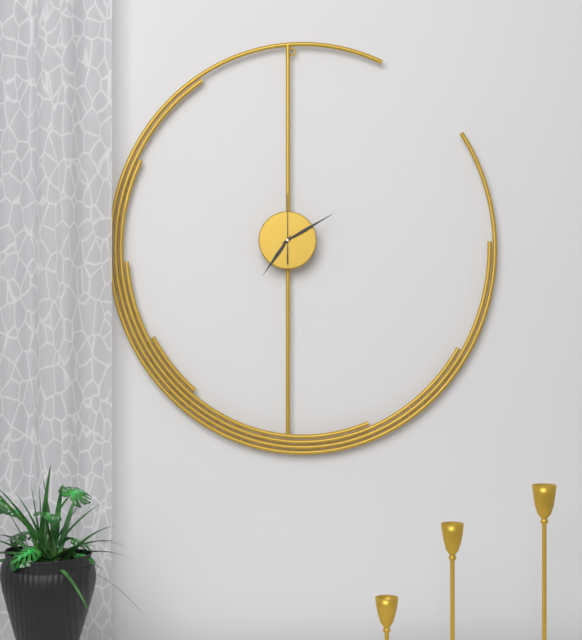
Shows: **7:10:00**
